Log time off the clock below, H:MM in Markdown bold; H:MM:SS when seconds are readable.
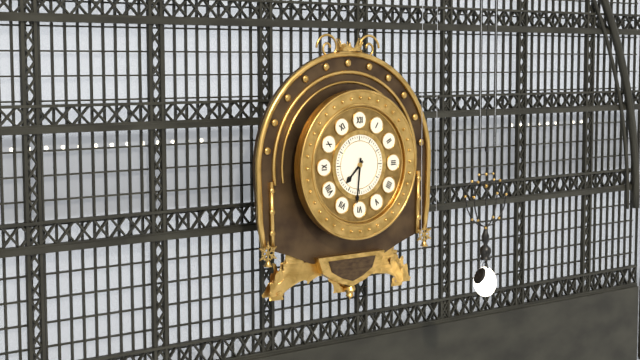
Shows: **7:31**
